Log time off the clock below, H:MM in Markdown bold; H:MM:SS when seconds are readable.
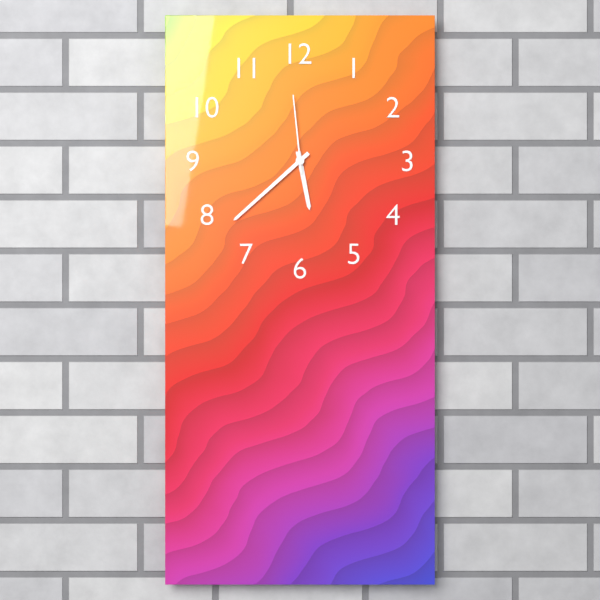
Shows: **5:38:59**
